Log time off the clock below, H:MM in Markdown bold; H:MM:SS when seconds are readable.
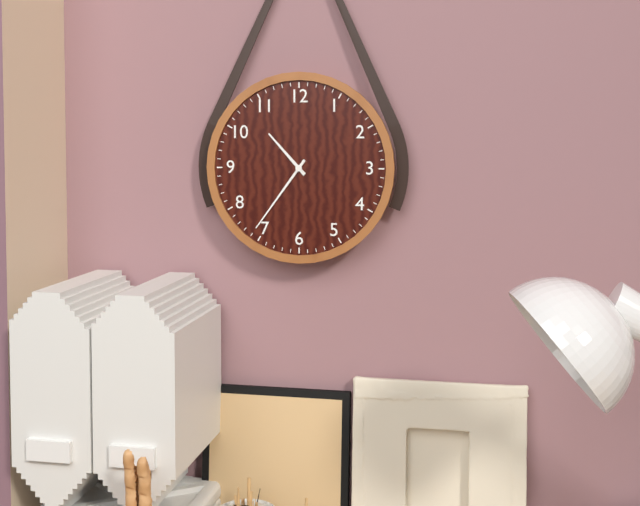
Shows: **10:36**
